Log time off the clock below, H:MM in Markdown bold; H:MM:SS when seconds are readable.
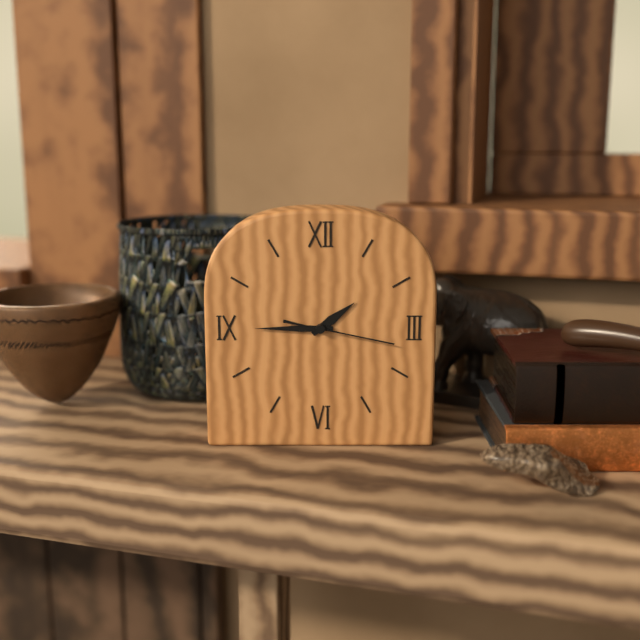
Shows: **1:45:17**
